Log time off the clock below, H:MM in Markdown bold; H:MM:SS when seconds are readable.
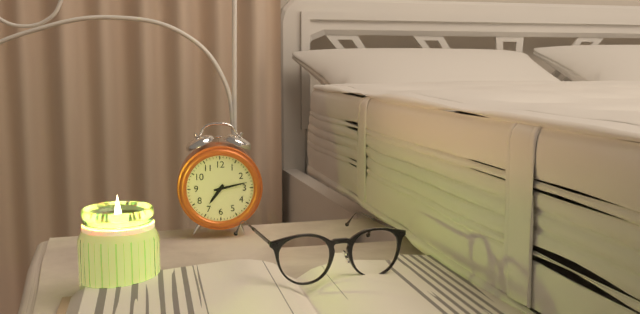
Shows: **7:13**
